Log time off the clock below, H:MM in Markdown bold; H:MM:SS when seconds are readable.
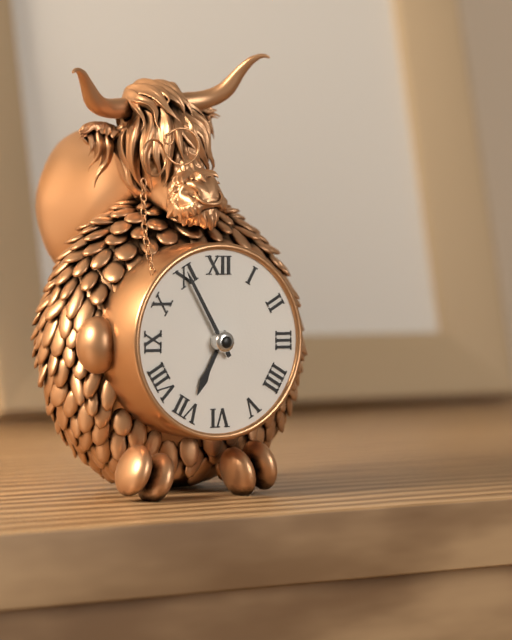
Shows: **6:55**
